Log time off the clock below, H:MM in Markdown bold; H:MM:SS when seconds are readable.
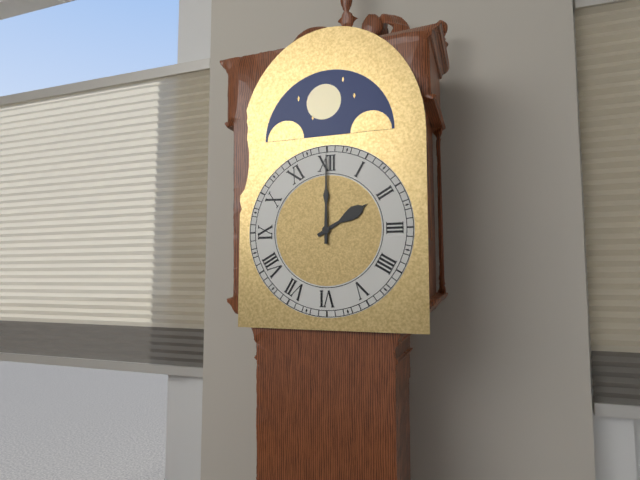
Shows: **2:00**
